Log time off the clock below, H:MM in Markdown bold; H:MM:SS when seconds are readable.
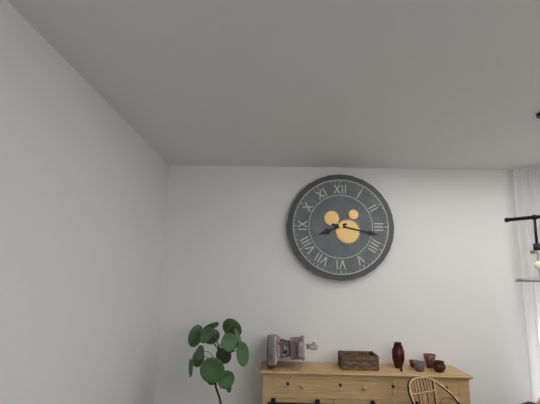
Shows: **8:17**
